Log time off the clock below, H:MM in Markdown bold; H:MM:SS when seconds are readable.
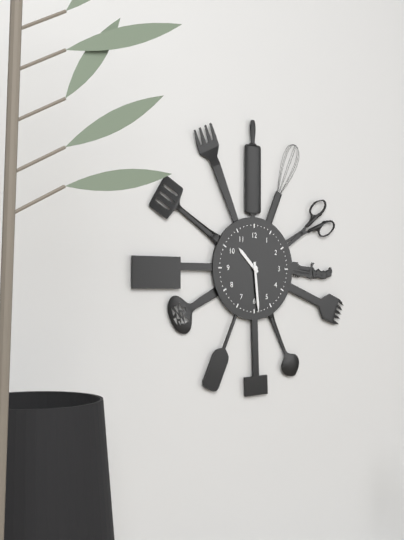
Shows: **10:29**
